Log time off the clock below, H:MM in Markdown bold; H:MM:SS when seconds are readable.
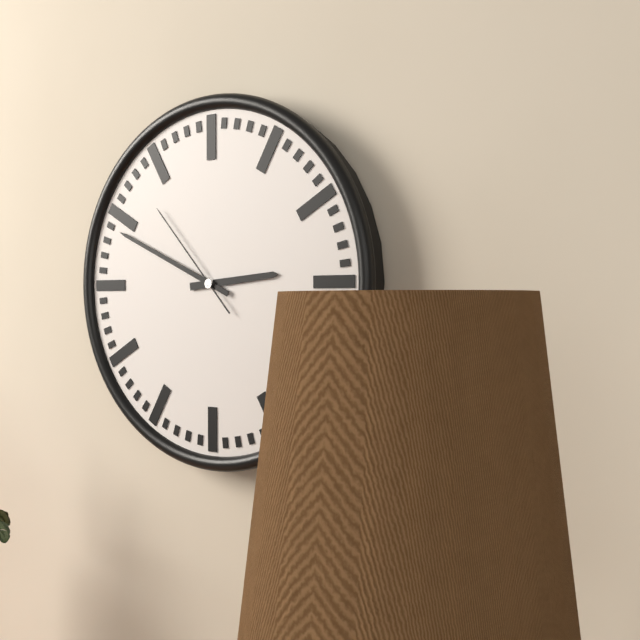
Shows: **2:49:53**
